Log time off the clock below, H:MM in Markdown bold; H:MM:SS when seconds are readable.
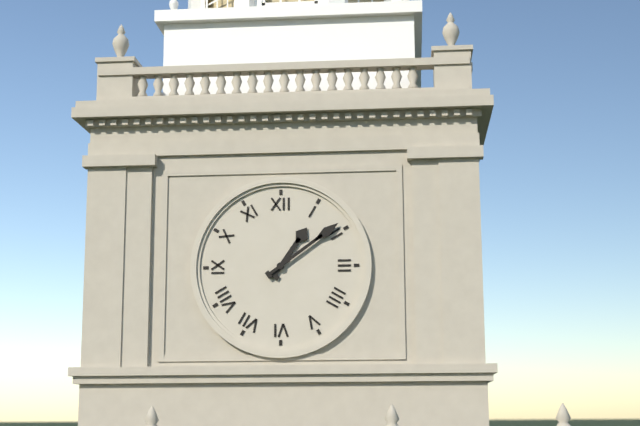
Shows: **1:09**
